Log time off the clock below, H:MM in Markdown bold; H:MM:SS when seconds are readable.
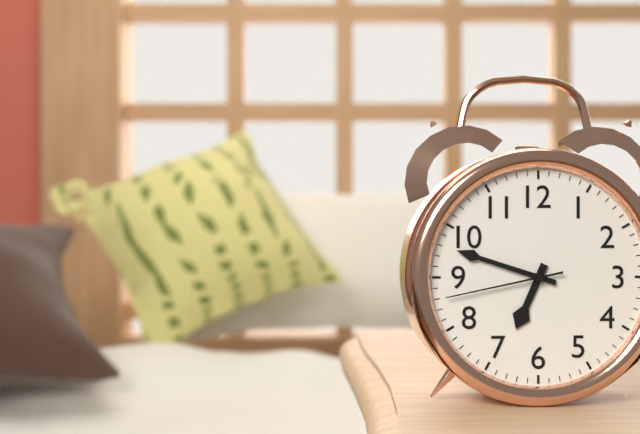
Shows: **6:48:43**
